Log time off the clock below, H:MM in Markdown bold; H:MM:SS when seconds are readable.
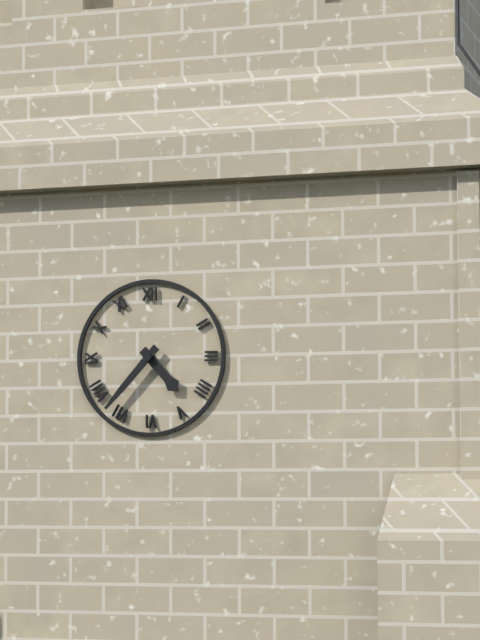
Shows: **4:37**
